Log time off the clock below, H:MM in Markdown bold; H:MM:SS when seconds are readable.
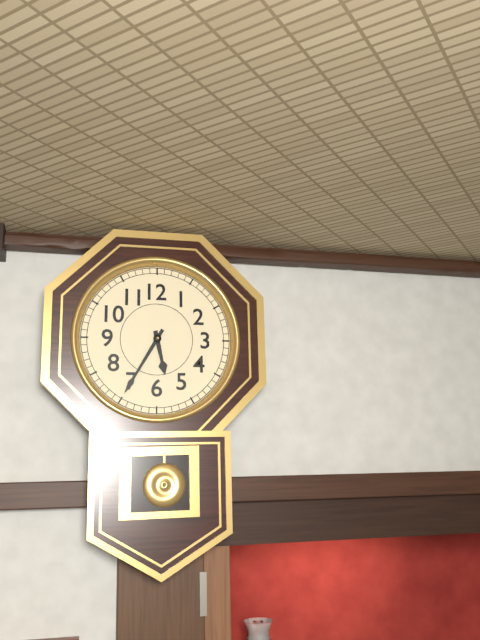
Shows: **5:35**
